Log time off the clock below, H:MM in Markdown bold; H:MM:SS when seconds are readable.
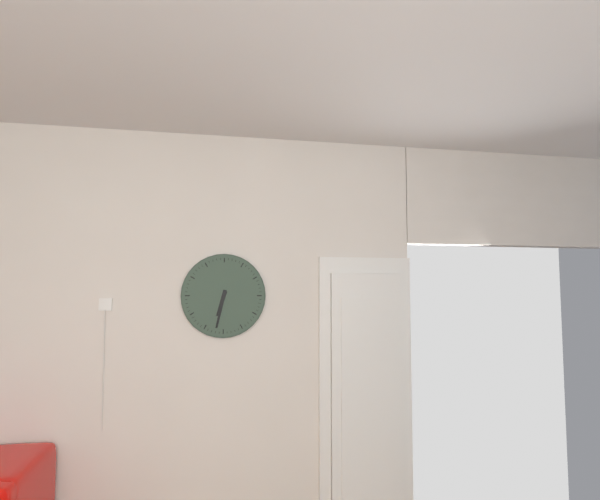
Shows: **6:32**
